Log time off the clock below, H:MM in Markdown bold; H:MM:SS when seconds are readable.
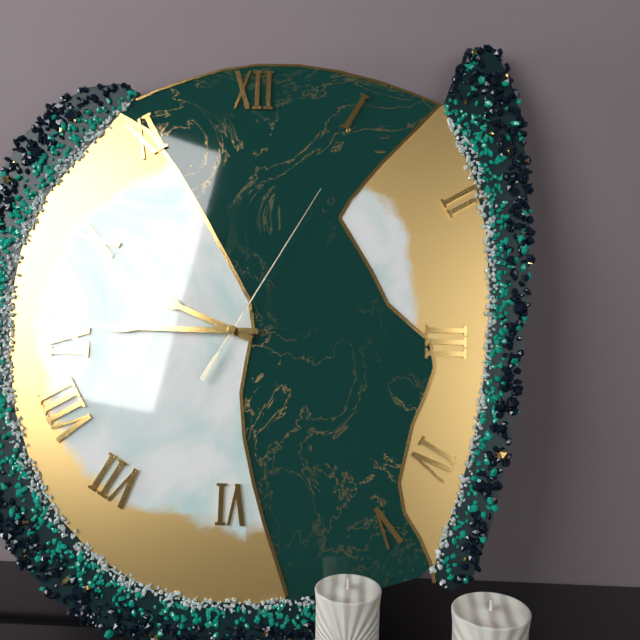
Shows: **9:45:05**
